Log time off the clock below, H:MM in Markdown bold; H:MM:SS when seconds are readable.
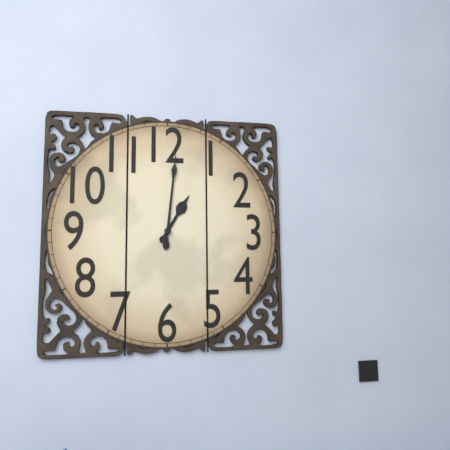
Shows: **1:01**
